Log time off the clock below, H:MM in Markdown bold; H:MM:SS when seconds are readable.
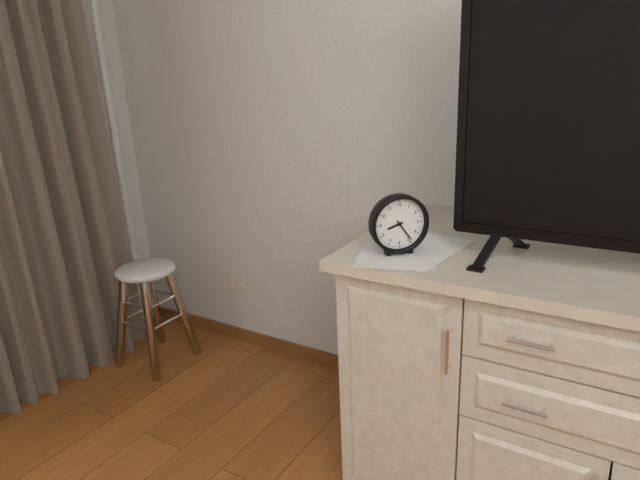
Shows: **8:24**
